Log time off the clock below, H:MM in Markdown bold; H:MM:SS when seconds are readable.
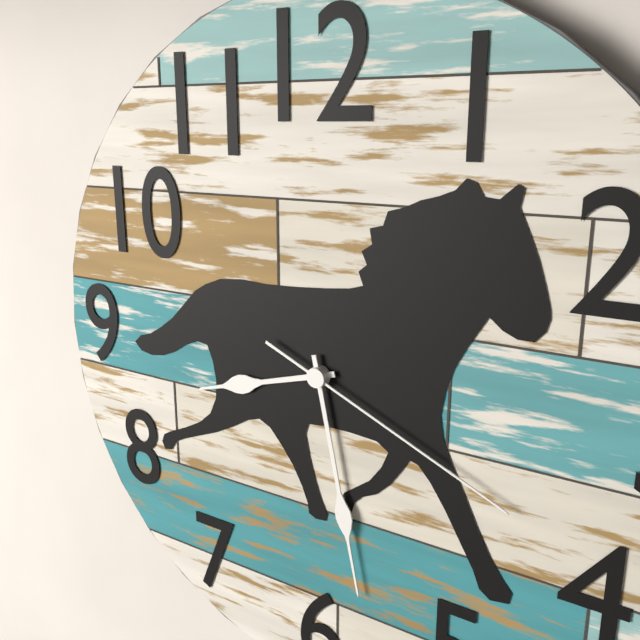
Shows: **8:28:19**
